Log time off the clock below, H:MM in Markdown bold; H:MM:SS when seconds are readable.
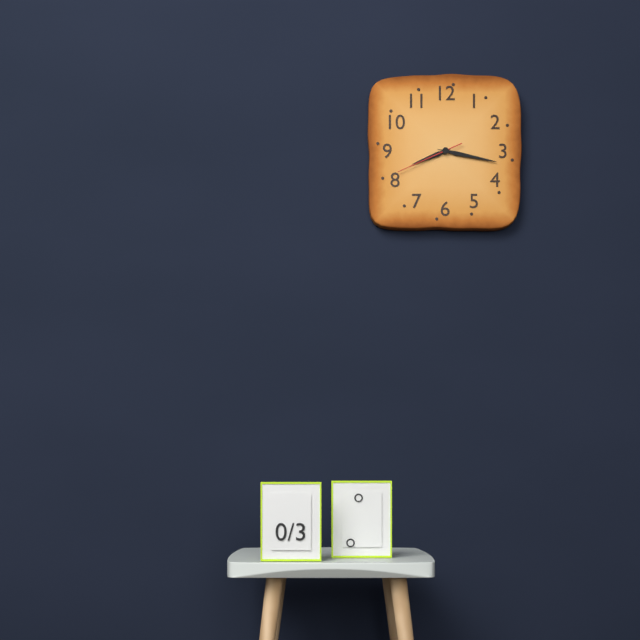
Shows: **8:17:41**
